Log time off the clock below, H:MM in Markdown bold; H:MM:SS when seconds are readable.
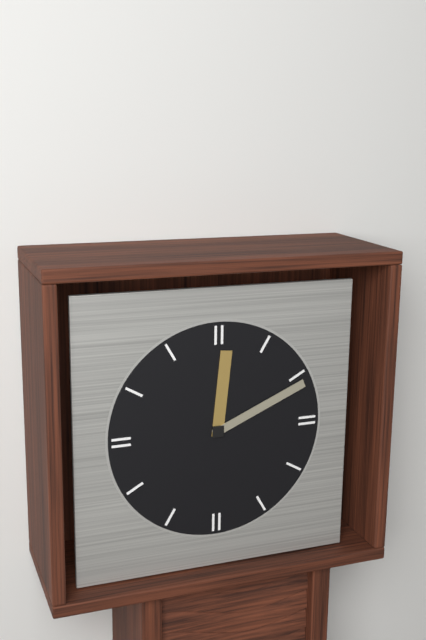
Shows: **12:11**
